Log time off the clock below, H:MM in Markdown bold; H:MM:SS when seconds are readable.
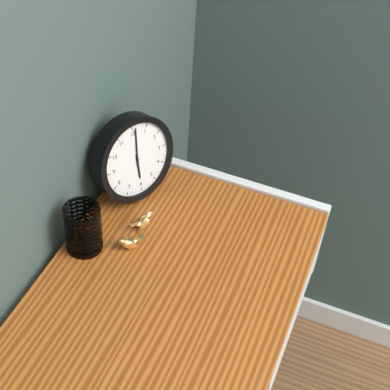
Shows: **6:01**
